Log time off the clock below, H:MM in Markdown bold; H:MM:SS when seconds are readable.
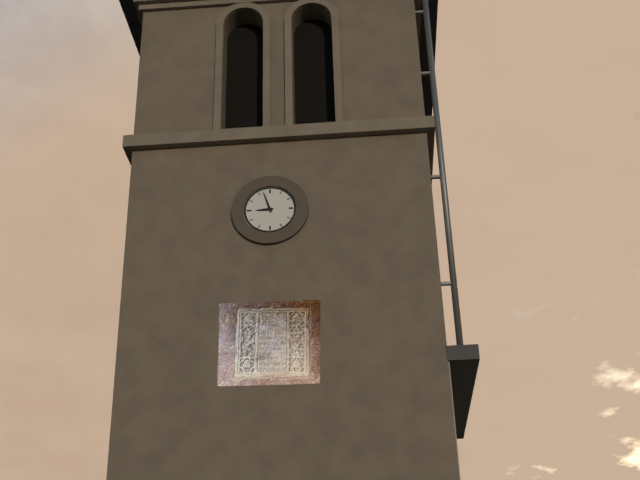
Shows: **8:57**
